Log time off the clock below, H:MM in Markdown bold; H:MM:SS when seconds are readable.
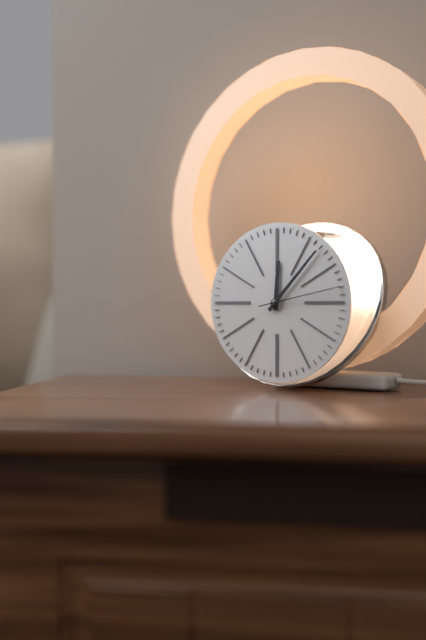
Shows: **12:07:13**
